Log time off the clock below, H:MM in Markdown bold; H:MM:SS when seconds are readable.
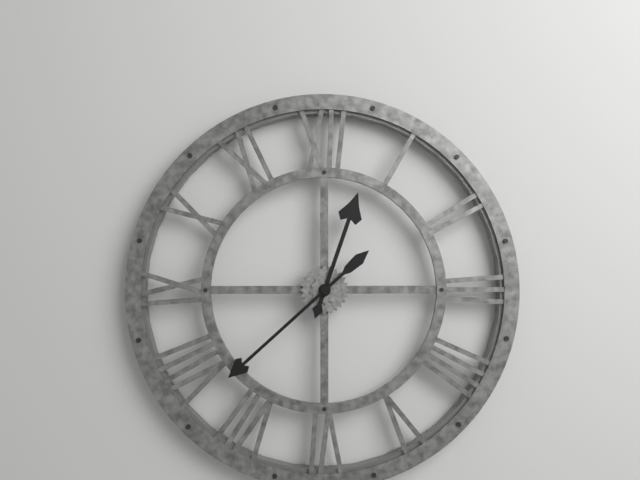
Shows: **12:38**
